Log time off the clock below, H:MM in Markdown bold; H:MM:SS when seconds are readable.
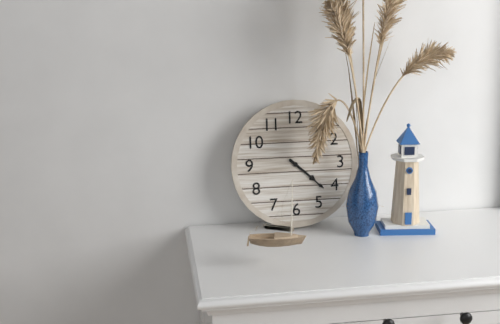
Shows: **4:22**
